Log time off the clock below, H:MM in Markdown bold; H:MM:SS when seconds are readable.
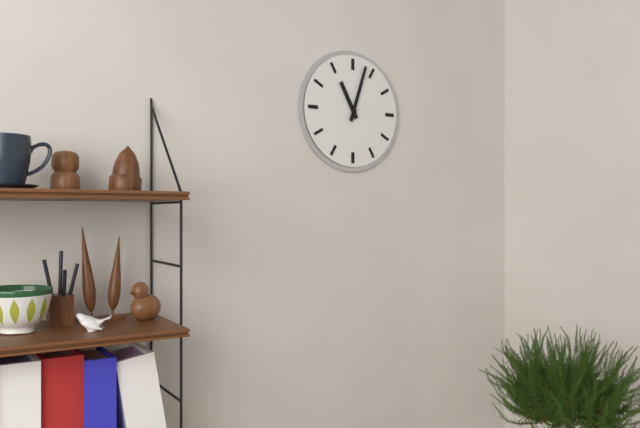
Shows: **11:03**
